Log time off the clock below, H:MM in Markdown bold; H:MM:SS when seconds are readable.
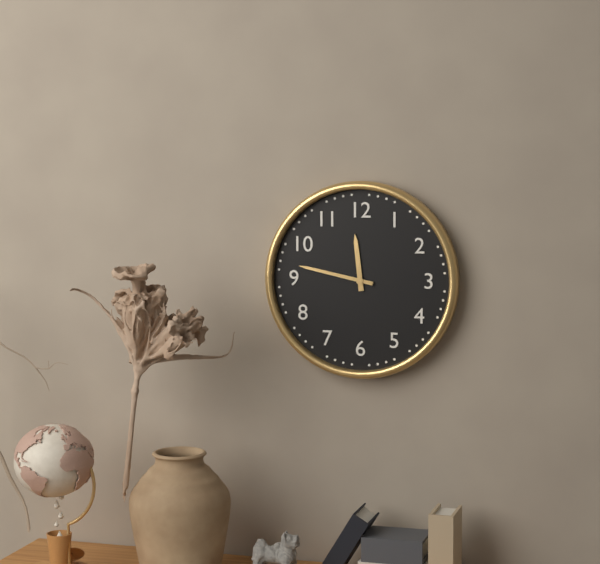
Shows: **11:47**
